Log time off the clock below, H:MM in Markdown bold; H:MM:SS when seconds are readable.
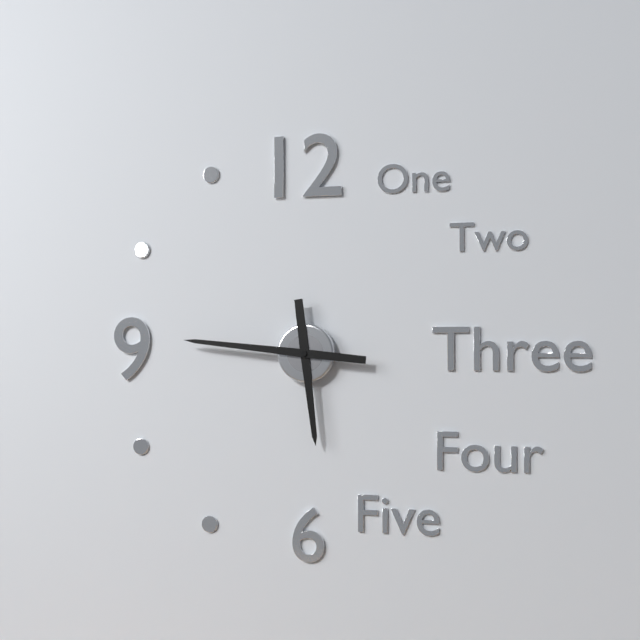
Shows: **5:46**
